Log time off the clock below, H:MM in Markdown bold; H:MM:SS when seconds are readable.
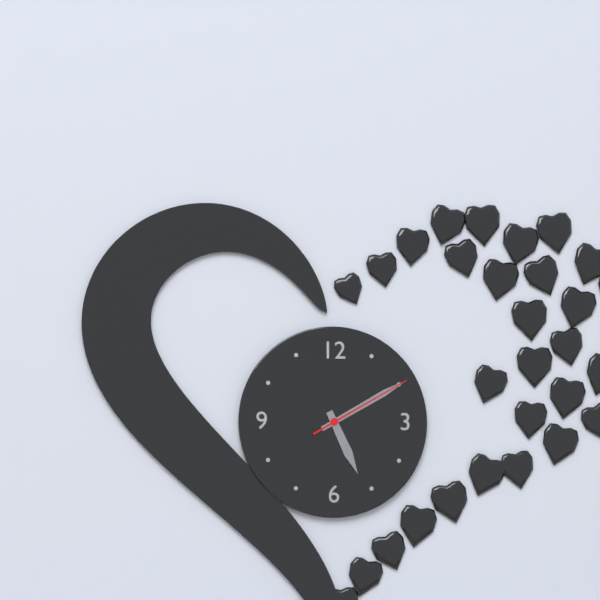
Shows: **5:10:10**
